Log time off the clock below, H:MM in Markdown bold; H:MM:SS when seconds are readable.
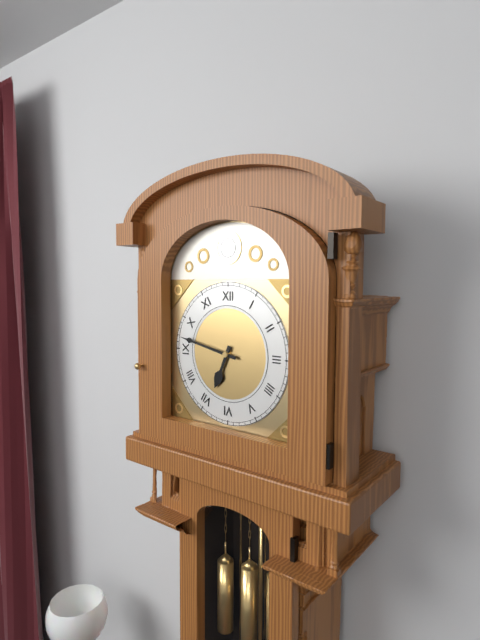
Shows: **6:47**
